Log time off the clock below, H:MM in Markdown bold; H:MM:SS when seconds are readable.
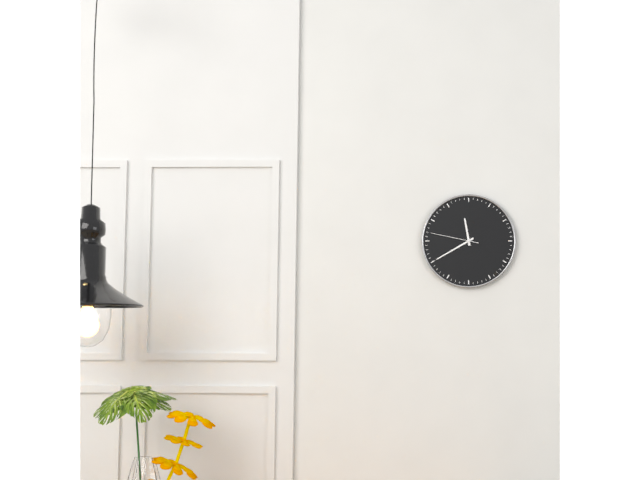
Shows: **11:40**
